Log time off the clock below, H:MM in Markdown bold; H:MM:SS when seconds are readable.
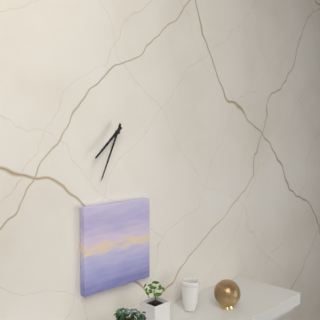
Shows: **7:34**
